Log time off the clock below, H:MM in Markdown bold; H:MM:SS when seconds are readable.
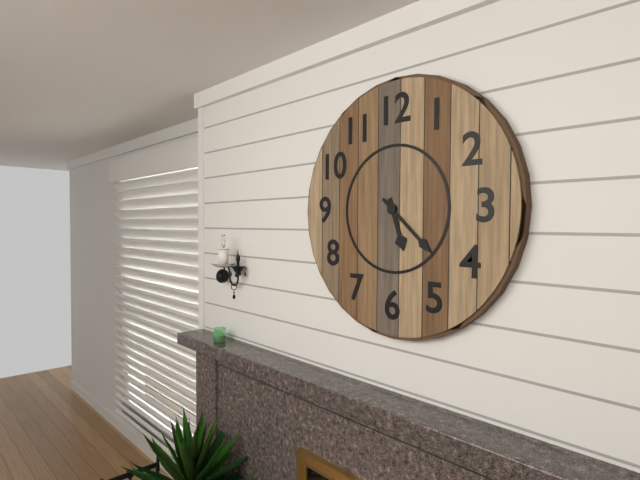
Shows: **5:22**
